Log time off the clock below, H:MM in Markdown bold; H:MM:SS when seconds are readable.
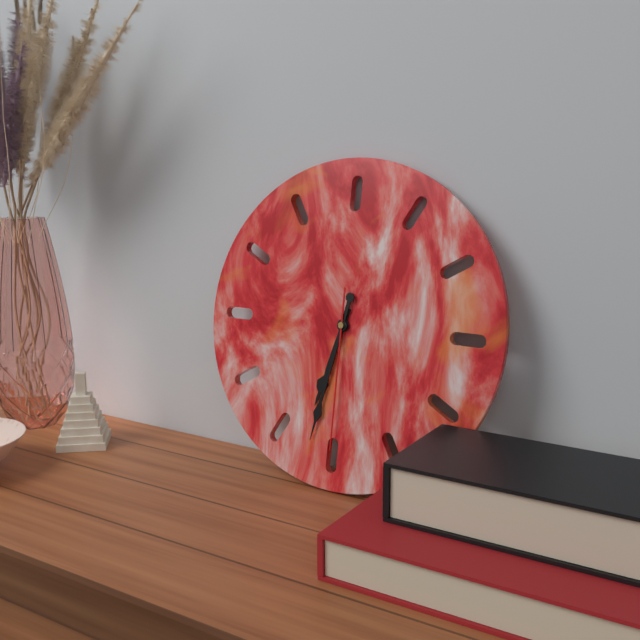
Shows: **6:32:30**
